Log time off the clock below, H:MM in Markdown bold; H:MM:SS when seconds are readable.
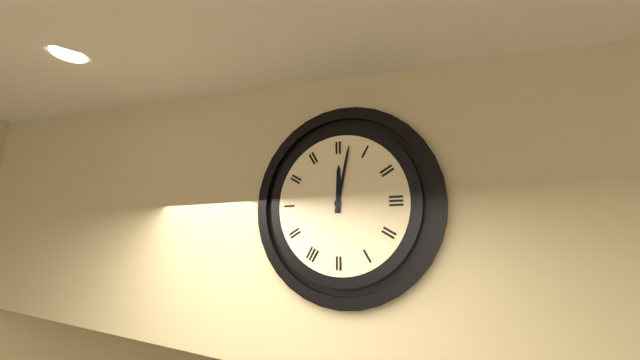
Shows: **12:02**
